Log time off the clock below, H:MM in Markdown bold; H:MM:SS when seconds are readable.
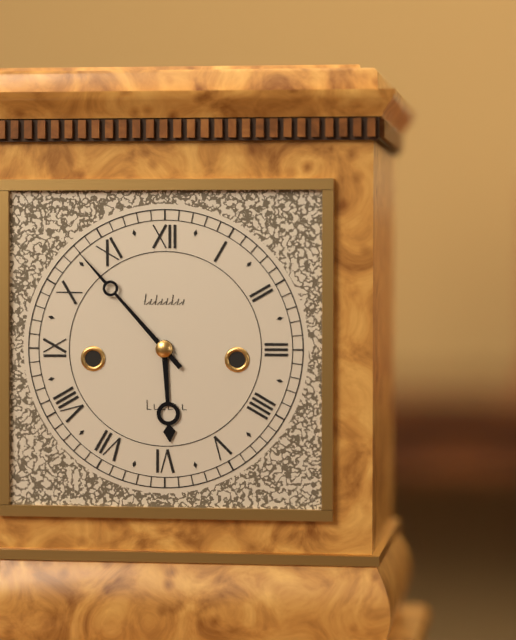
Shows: **5:53**
